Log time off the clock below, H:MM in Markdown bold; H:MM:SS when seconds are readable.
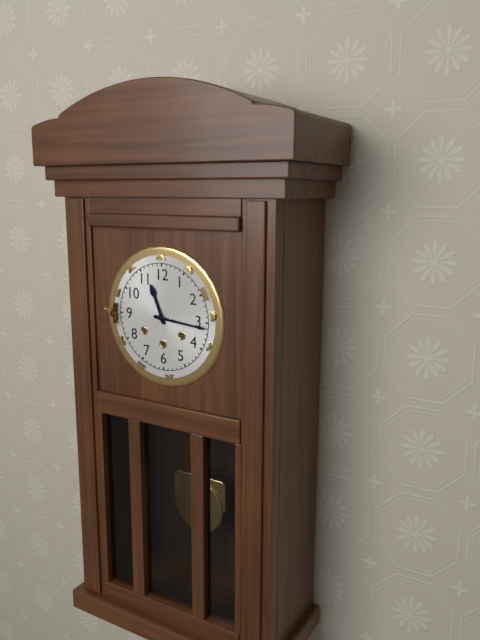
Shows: **11:16**
